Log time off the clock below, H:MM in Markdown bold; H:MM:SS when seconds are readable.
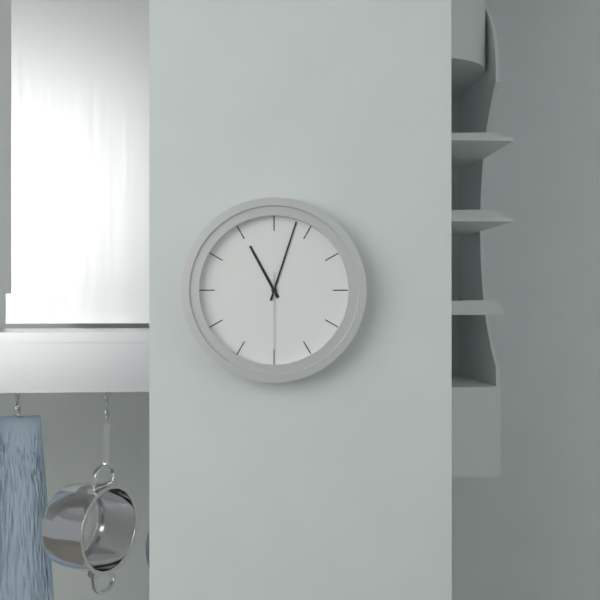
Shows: **11:03:30**
